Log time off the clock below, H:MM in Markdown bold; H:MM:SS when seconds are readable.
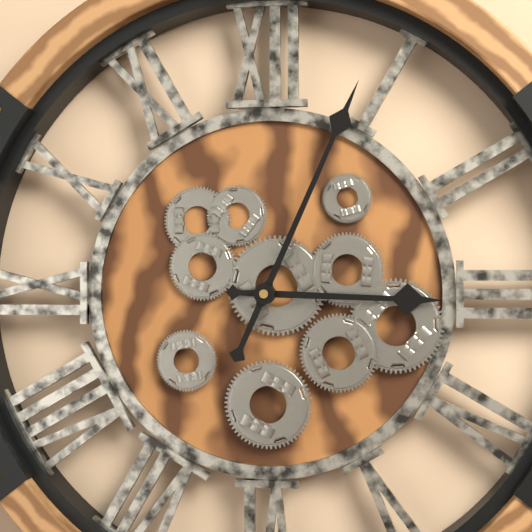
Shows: **3:04**
